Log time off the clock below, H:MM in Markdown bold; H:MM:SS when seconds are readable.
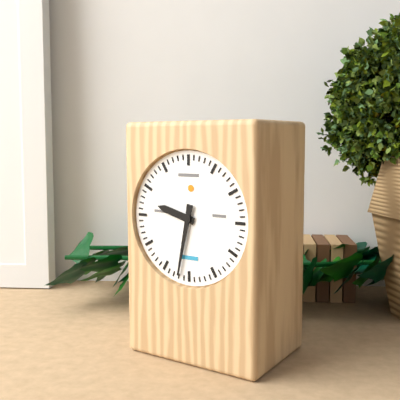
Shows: **9:32**
